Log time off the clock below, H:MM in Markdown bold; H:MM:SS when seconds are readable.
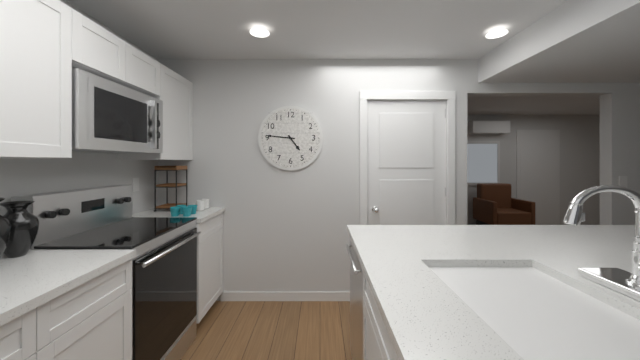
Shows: **4:46**
